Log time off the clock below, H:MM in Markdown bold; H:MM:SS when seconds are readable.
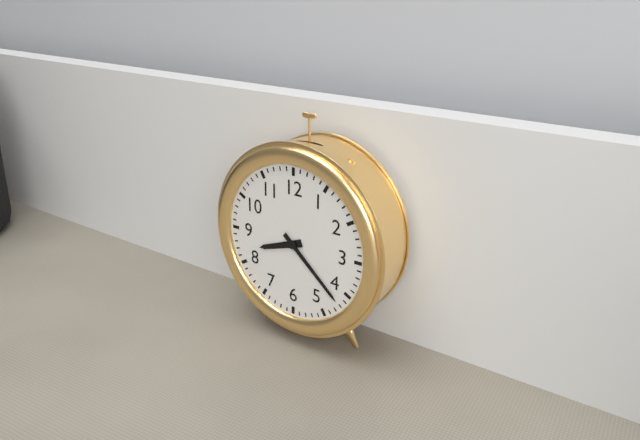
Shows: **8:22**
